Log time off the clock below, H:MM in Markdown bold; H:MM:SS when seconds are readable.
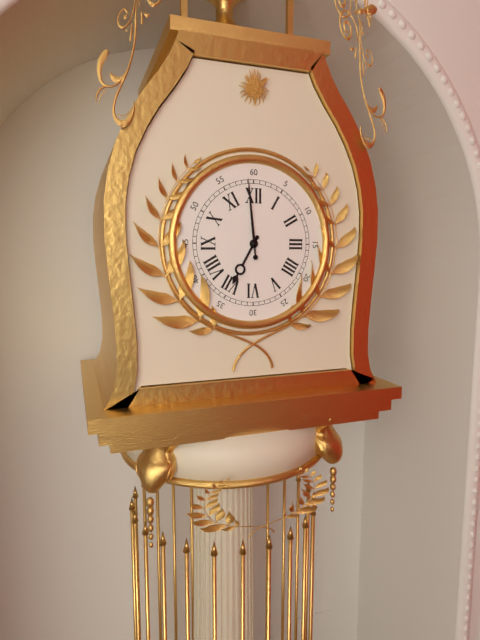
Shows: **6:59**
